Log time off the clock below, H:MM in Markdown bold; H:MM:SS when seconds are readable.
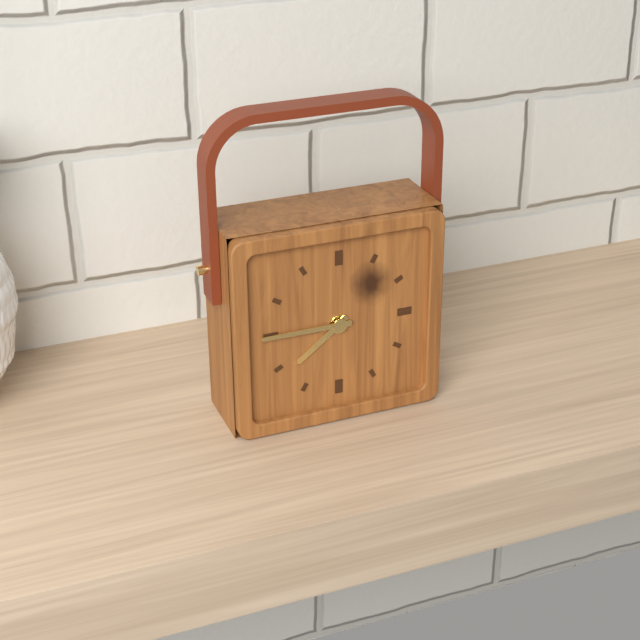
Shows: **7:45**
